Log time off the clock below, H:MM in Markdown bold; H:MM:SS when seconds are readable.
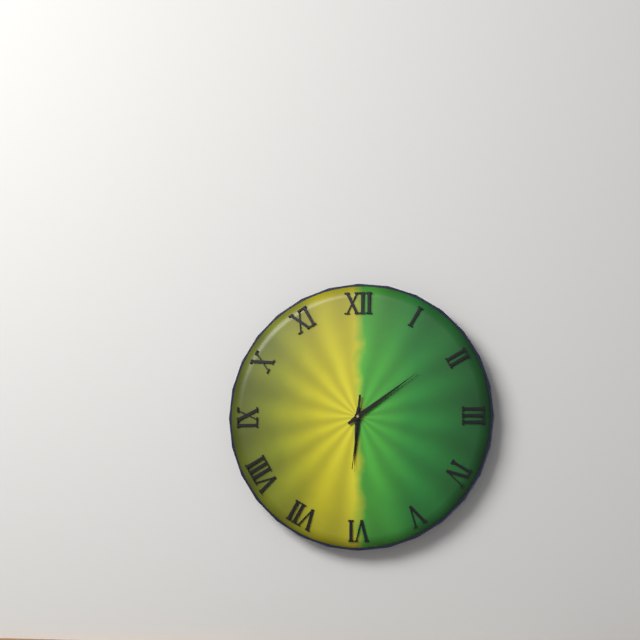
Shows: **6:09:31**
